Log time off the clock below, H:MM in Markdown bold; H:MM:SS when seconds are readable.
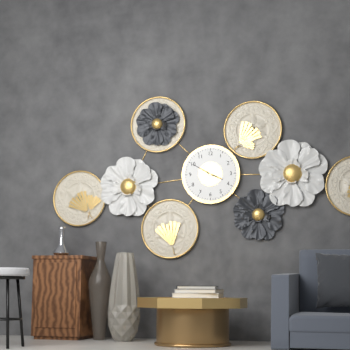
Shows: **3:50**
